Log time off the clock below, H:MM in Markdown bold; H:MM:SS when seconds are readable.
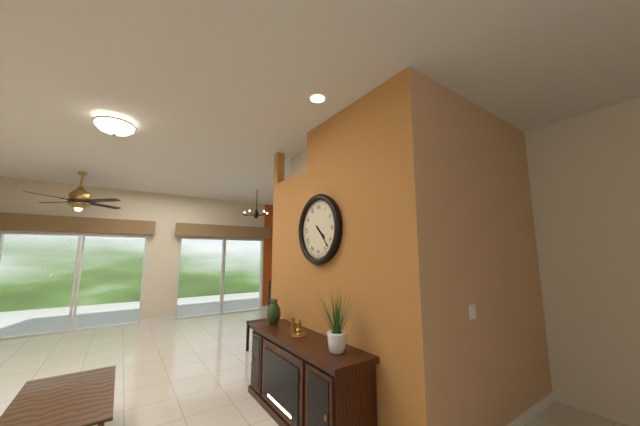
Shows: **4:23**
